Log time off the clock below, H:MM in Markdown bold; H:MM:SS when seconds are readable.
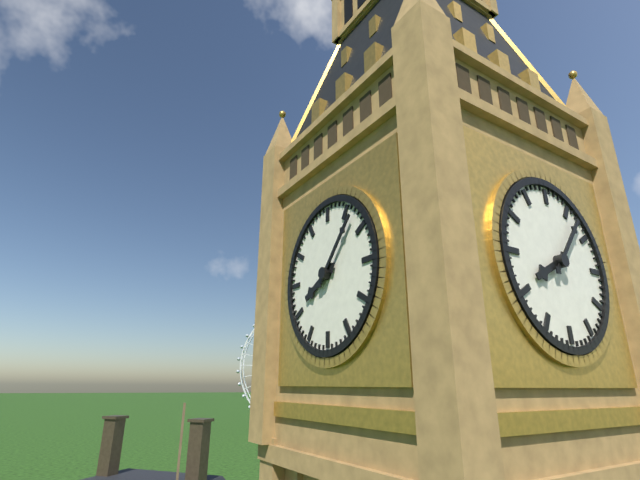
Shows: **8:07**
